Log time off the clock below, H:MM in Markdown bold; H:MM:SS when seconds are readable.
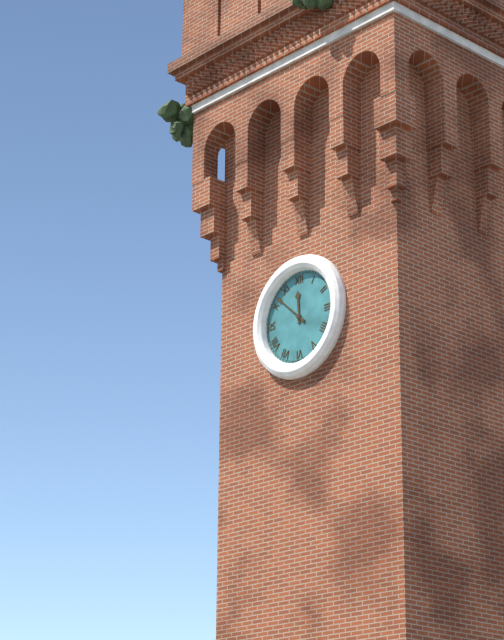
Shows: **11:52**
